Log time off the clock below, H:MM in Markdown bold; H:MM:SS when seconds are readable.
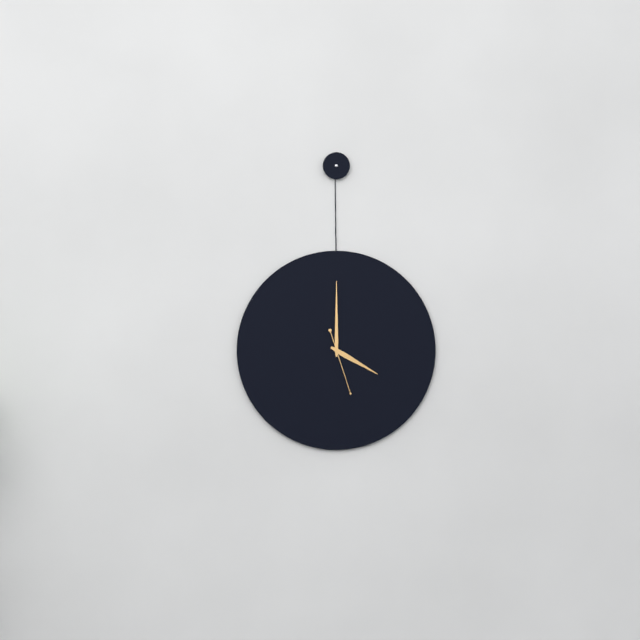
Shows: **4:00:27**
